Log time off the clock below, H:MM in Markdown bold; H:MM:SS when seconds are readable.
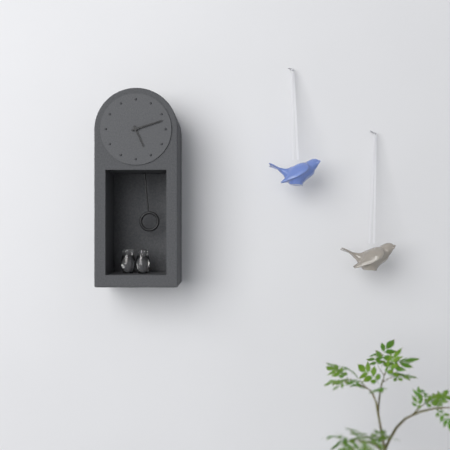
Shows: **5:12**
